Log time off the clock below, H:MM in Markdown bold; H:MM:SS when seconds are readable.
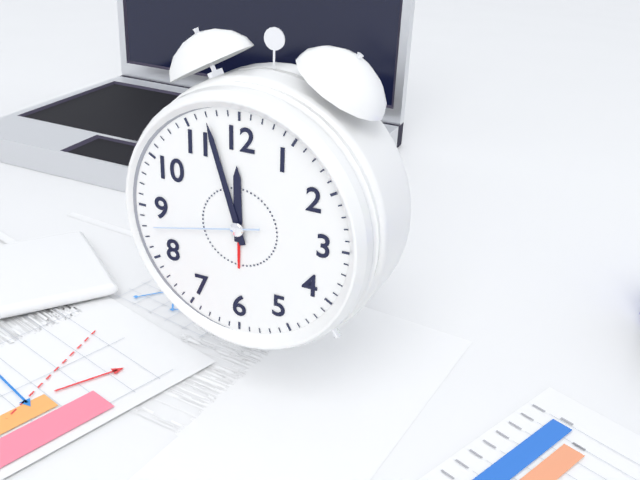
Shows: **11:57:43**
